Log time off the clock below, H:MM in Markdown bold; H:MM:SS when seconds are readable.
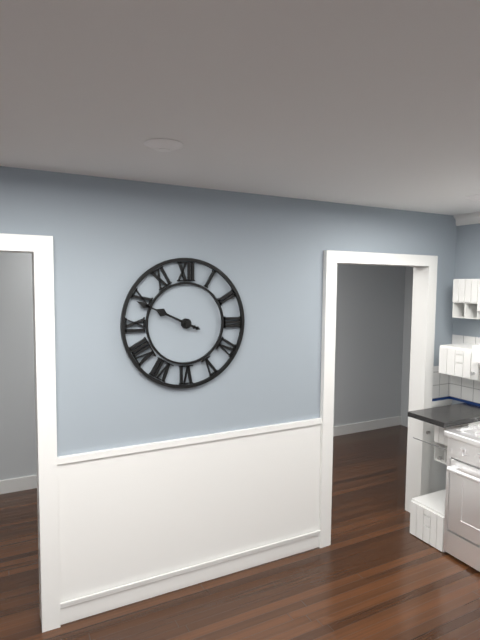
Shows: **9:49**
